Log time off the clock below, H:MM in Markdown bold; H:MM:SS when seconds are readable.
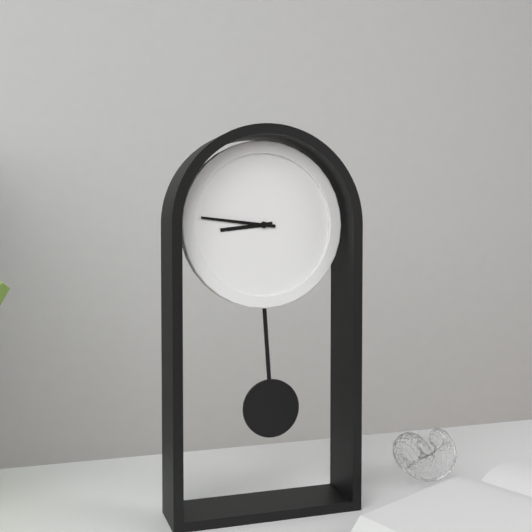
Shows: **8:46**
